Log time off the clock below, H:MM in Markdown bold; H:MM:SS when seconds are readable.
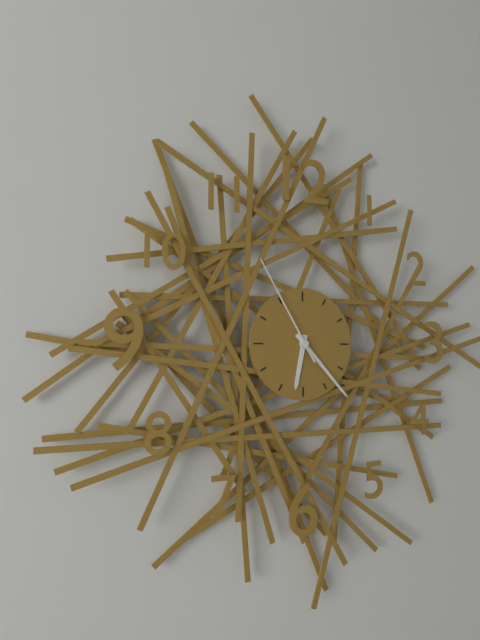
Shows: **6:23:55**
